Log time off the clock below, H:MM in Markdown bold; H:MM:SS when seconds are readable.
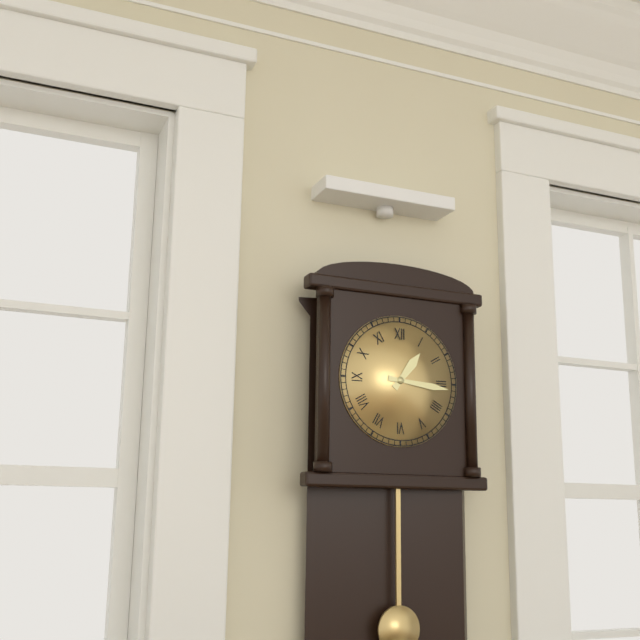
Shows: **1:16**
